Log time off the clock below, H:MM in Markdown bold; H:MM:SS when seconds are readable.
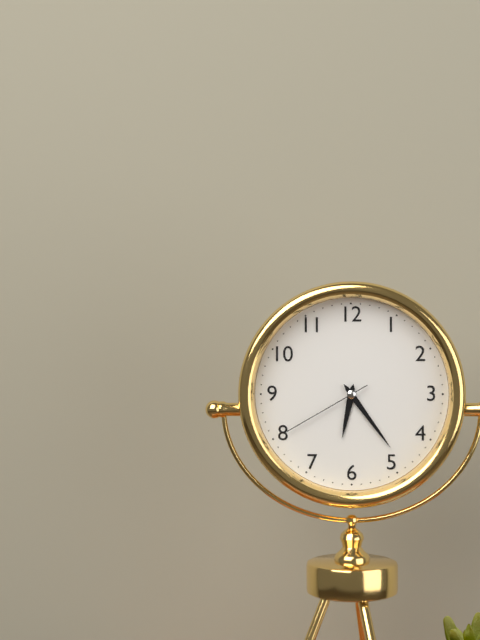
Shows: **6:24:40**
